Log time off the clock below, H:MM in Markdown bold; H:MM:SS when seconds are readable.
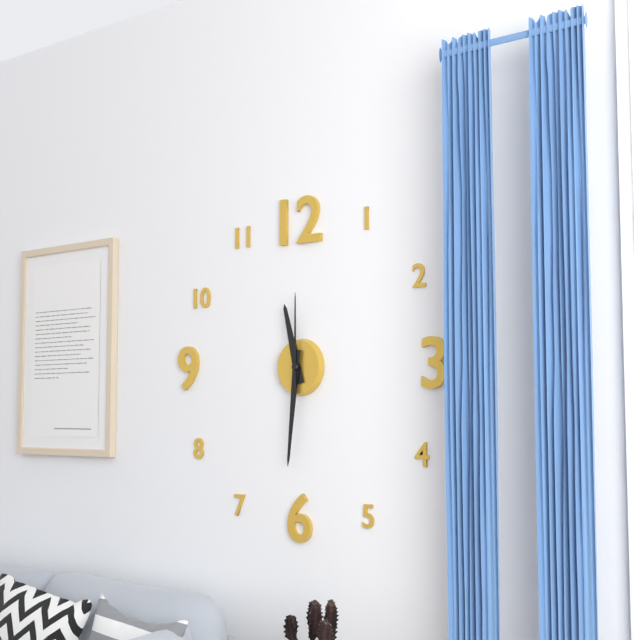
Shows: **11:31:00**
